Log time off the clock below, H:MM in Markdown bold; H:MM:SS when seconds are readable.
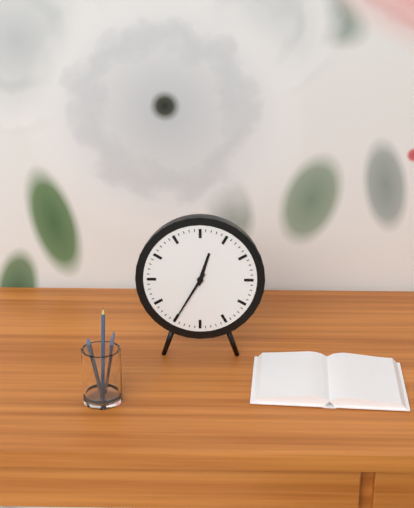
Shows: **12:35**
